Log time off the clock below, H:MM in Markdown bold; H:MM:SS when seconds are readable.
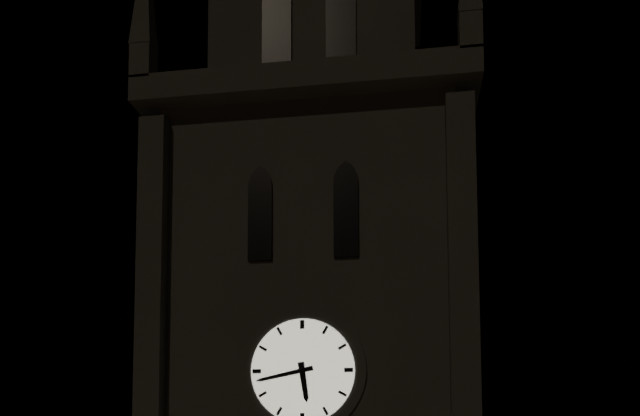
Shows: **5:43**
